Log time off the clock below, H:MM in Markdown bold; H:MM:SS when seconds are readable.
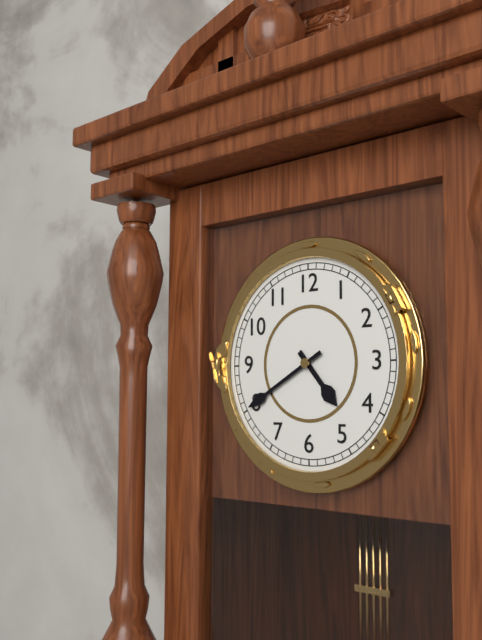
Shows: **4:40**
